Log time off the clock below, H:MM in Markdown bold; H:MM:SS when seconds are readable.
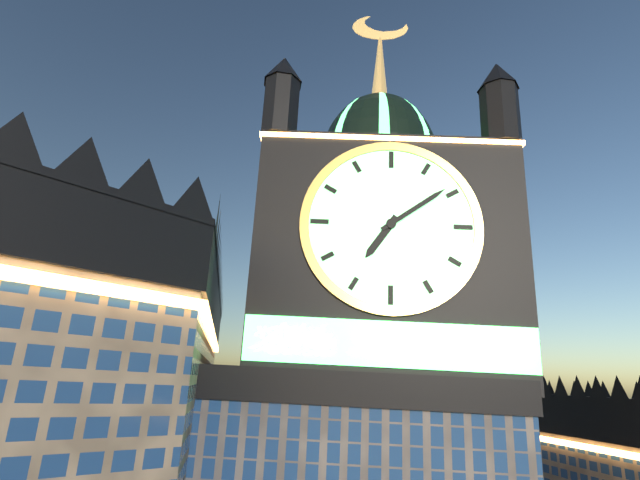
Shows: **7:09**
